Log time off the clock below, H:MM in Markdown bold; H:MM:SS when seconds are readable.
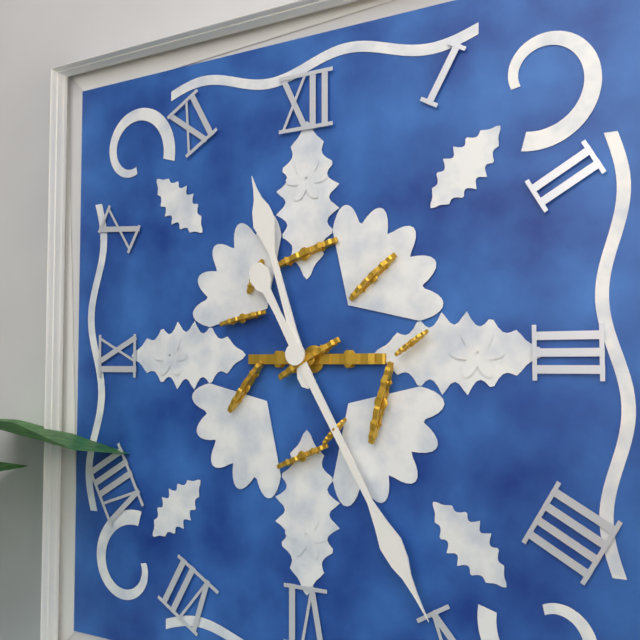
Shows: **11:25**
